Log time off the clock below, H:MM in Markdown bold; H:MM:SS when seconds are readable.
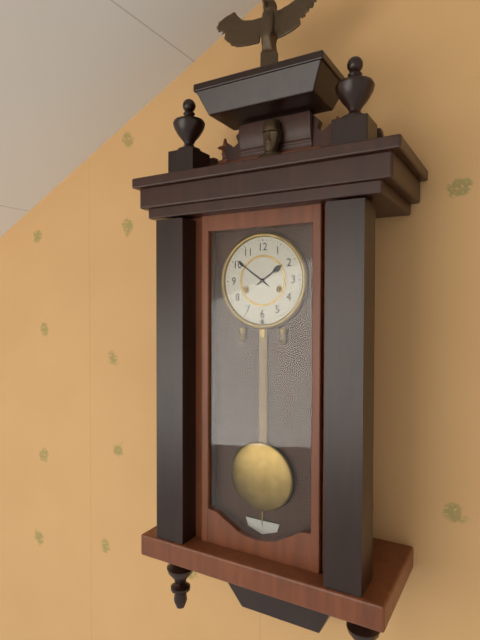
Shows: **1:51**
